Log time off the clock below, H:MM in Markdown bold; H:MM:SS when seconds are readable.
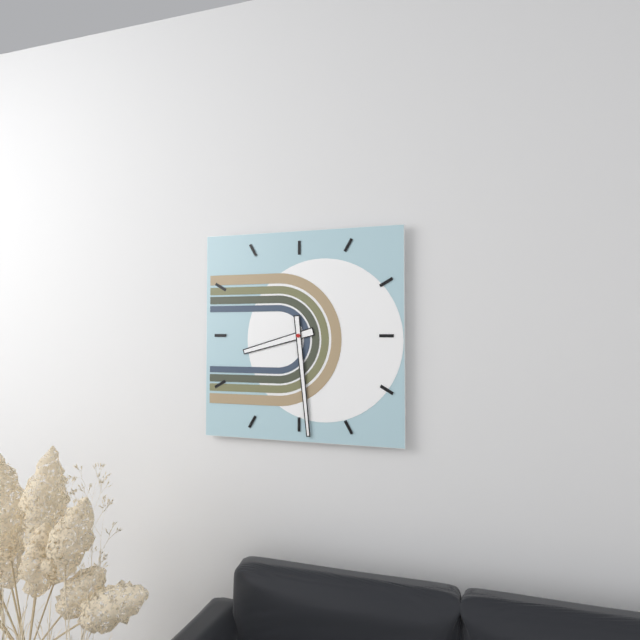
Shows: **8:29**
